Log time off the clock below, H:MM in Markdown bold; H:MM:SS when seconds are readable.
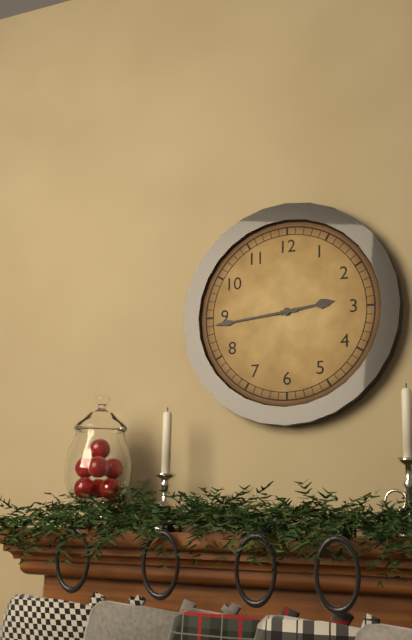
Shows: **2:44**
